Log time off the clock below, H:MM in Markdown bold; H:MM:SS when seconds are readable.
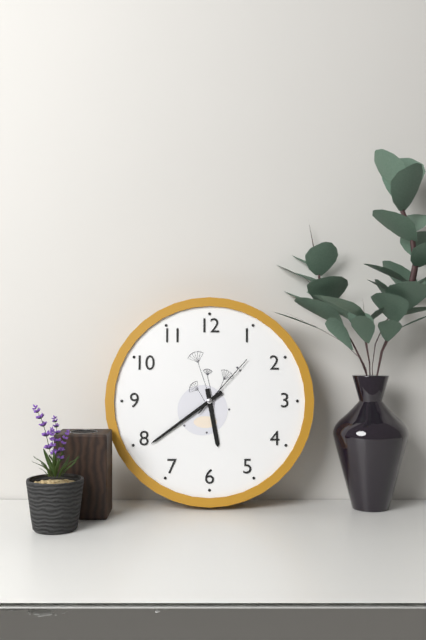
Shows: **5:39:07**
